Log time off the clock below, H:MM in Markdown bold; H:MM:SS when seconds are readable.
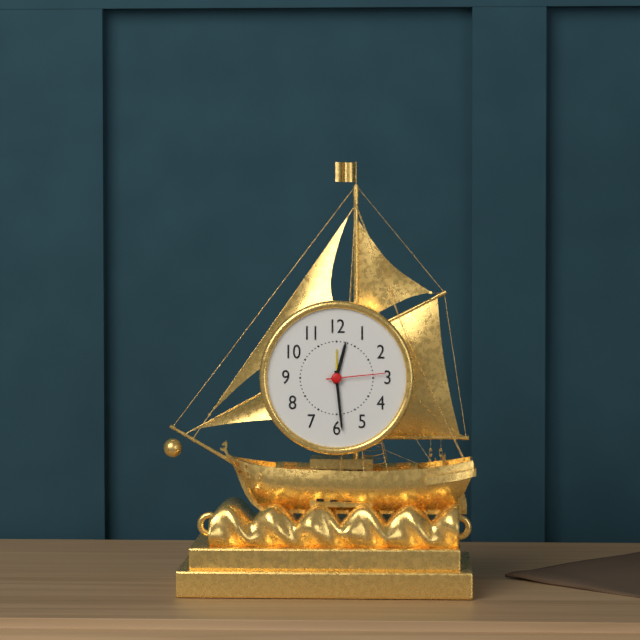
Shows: **12:29:14**
